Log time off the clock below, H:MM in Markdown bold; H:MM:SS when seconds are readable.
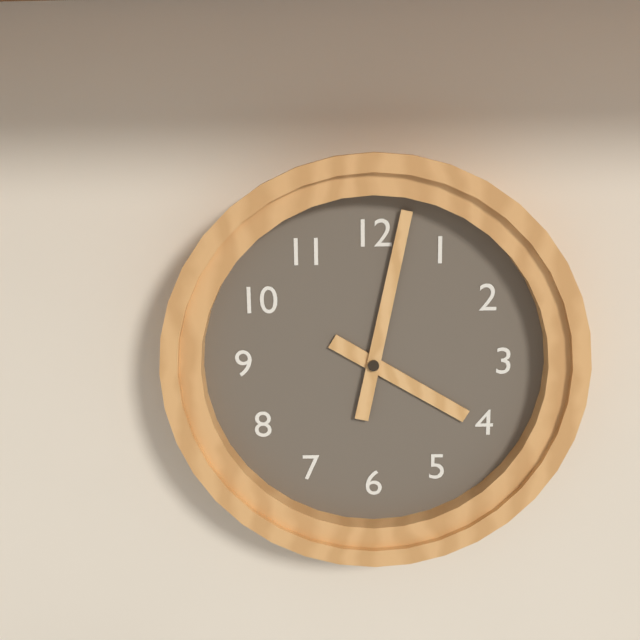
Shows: **4:02**
